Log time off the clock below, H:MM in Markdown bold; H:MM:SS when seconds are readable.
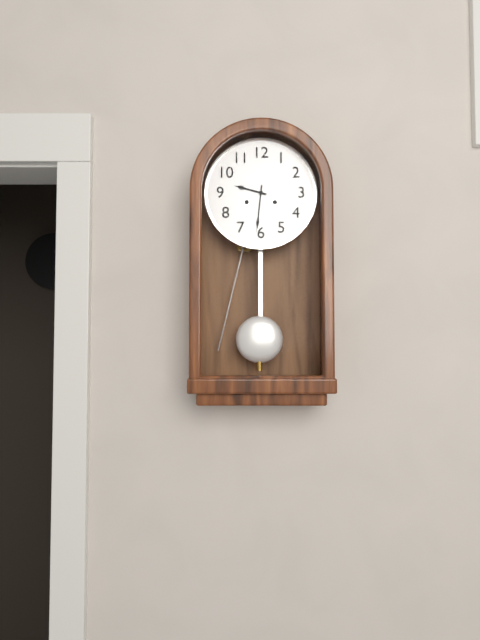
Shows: **9:31**
